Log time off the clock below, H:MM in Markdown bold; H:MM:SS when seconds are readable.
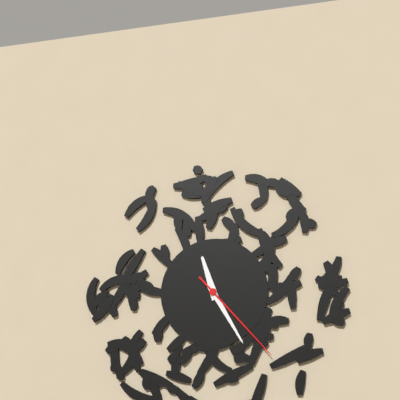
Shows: **11:25:23**
